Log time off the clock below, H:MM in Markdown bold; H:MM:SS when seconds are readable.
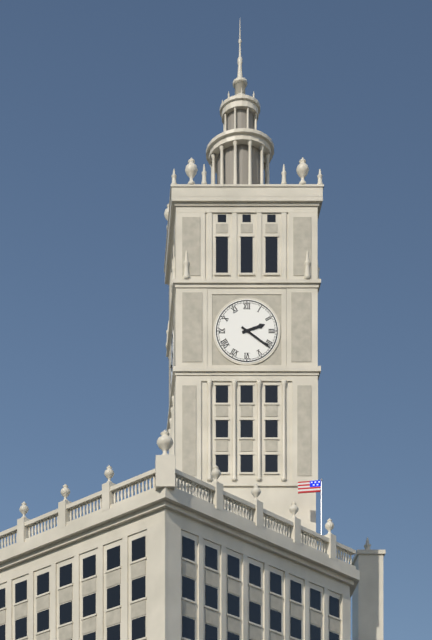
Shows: **2:21**
